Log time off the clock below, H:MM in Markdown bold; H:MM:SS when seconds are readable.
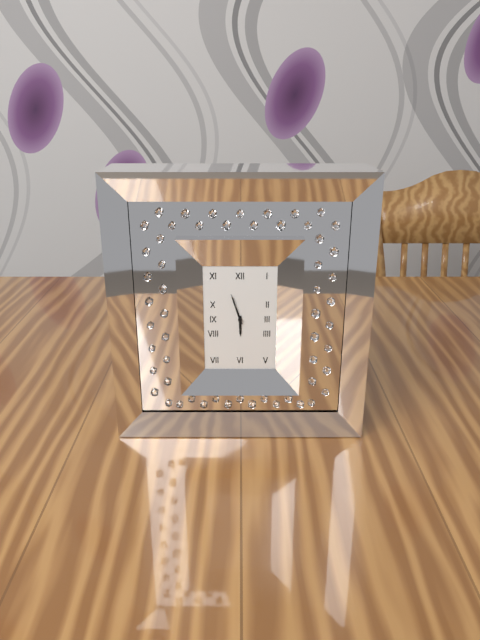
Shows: **5:57**
